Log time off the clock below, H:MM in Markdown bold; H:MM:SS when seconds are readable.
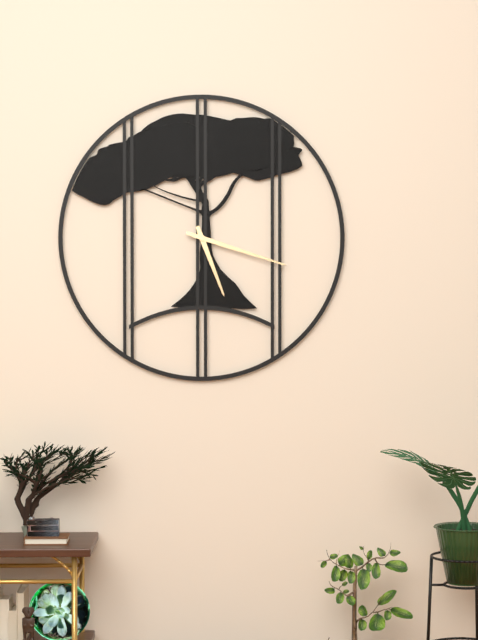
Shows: **5:18**
